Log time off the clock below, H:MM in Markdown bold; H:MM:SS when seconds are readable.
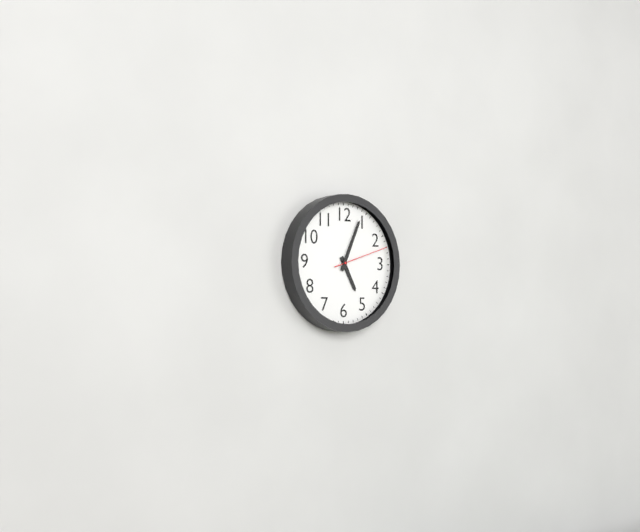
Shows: **5:04:12**
